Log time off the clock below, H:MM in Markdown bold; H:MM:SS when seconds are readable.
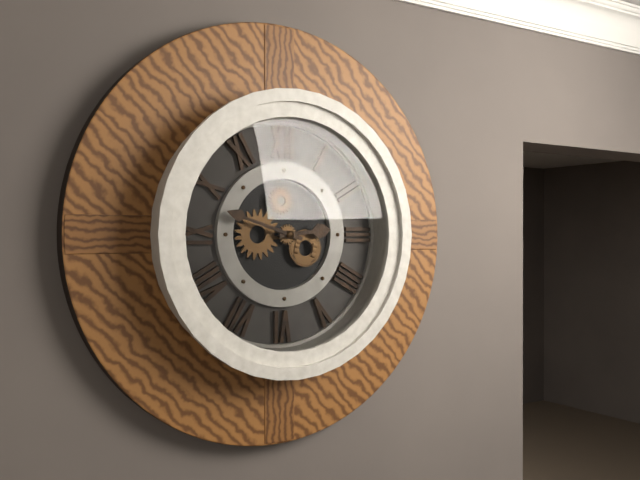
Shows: **2:48**
